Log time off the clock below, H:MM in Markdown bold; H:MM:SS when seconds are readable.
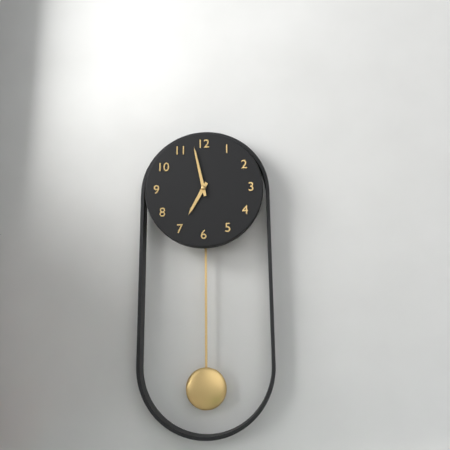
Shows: **6:58**
